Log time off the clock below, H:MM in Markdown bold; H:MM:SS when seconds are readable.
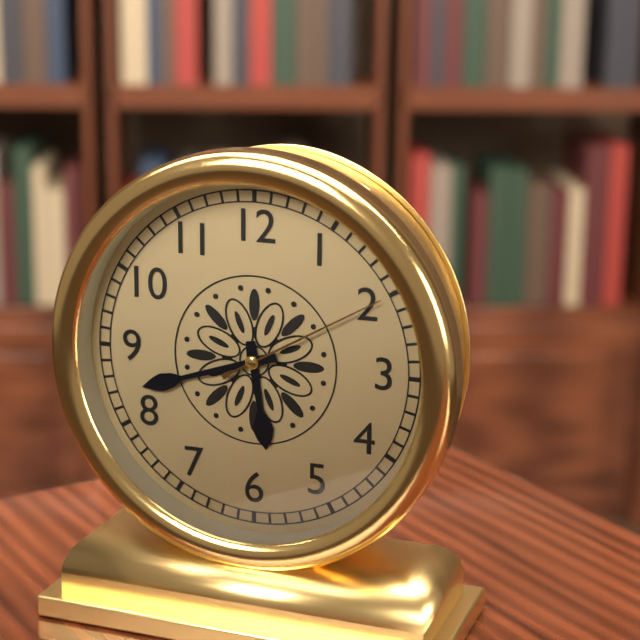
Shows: **5:42:10**
